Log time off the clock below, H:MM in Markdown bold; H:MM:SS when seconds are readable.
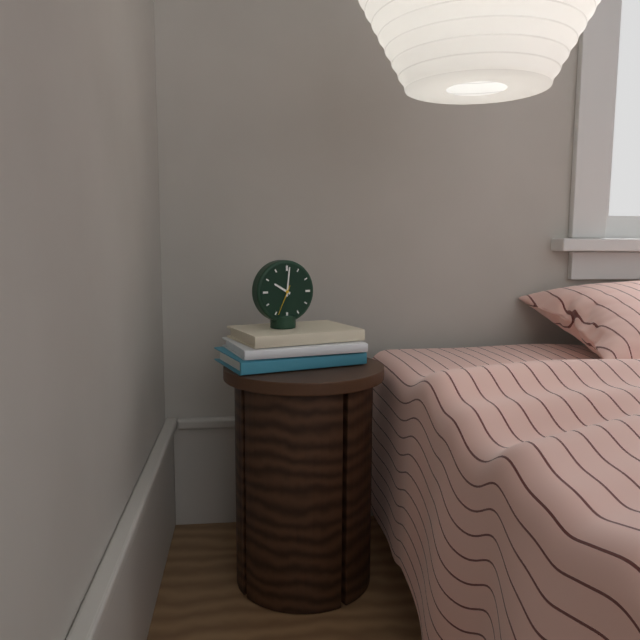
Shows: **10:01**
